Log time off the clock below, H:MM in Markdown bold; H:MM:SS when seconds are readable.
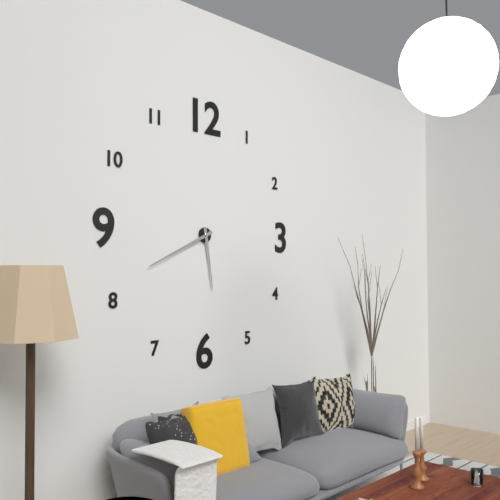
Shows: **5:41**
